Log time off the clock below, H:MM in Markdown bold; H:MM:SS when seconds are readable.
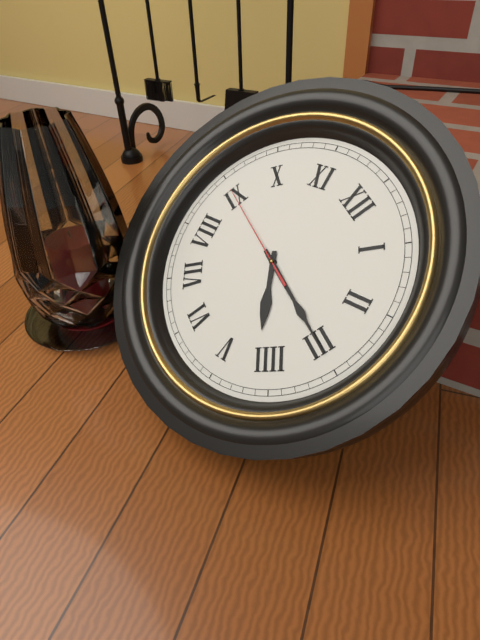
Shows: **4:15:45**
